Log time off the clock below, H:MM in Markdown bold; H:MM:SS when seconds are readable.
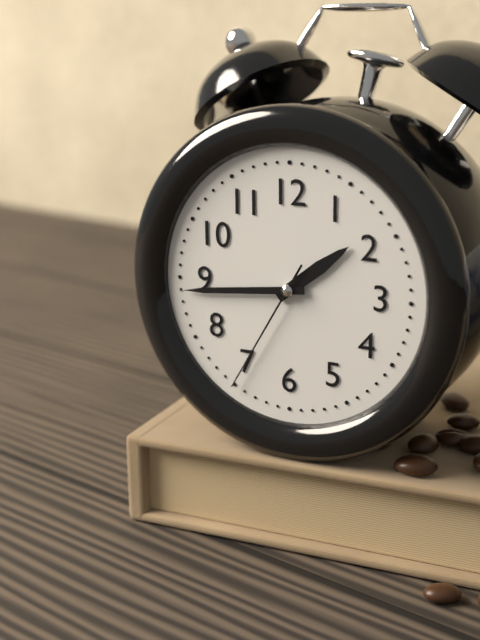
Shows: **1:44:35**
